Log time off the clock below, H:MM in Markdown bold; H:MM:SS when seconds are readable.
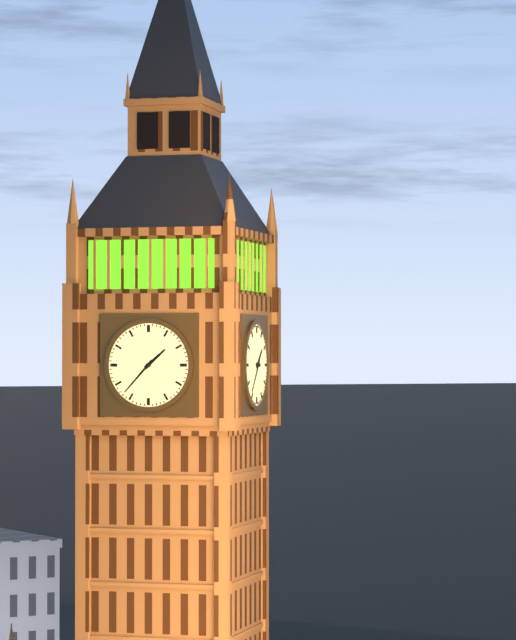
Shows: **1:37**
